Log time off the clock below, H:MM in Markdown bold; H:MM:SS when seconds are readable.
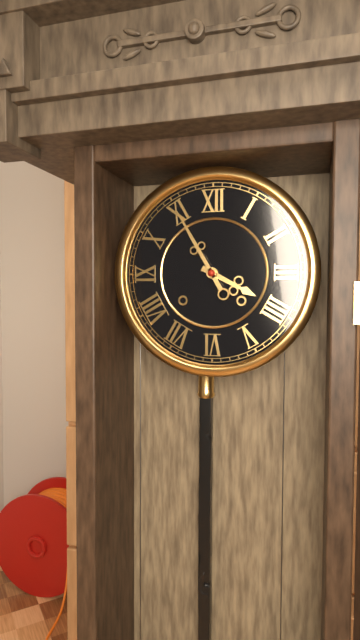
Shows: **3:55**
